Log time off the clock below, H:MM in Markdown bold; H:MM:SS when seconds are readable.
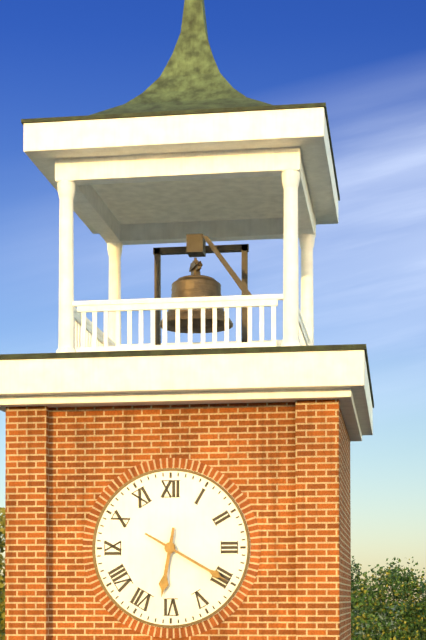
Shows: **6:20**
